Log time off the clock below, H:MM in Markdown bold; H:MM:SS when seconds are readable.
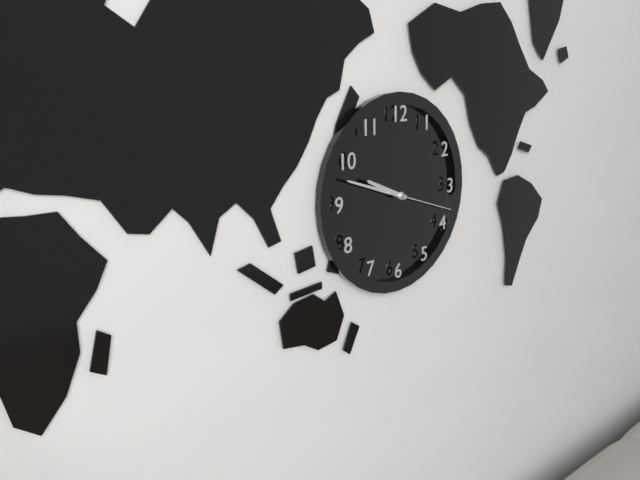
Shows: **9:48:18**
